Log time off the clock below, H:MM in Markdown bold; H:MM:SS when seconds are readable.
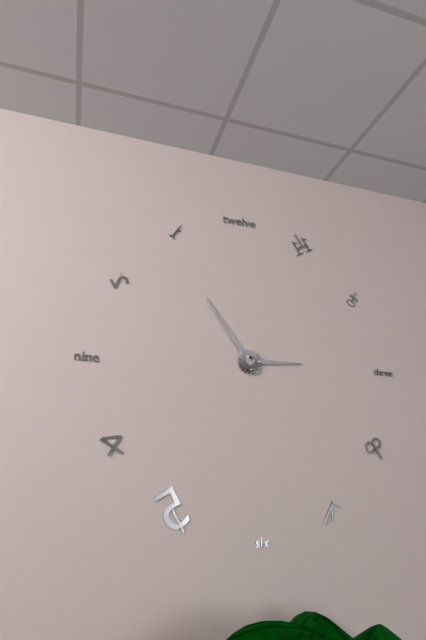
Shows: **2:54**
